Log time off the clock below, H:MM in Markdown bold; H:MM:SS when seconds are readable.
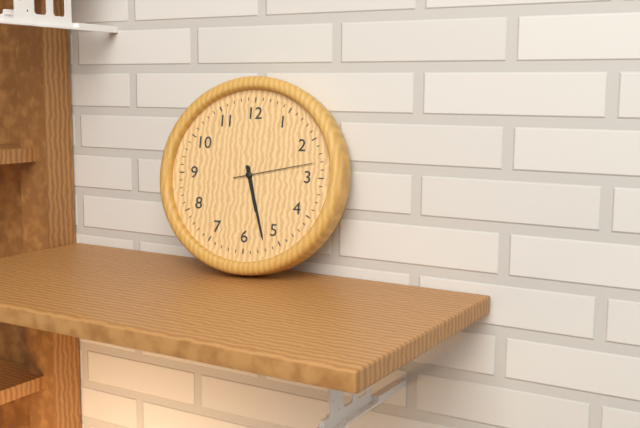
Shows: **5:27:13**
